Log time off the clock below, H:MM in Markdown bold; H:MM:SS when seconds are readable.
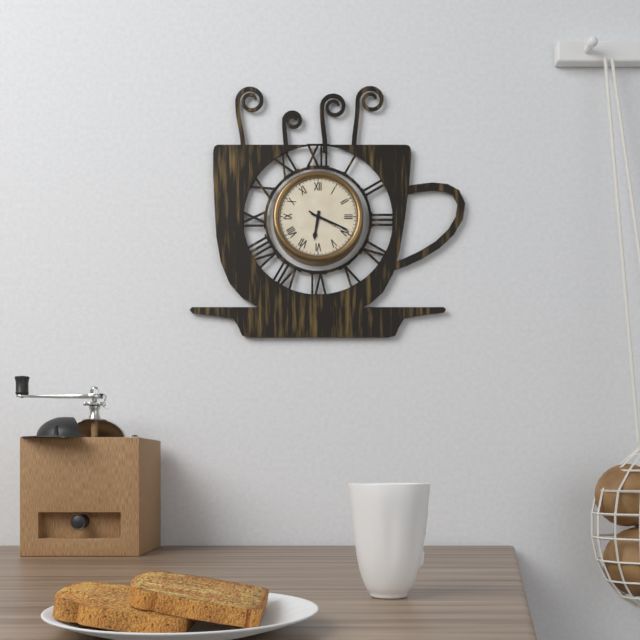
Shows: **6:19**
